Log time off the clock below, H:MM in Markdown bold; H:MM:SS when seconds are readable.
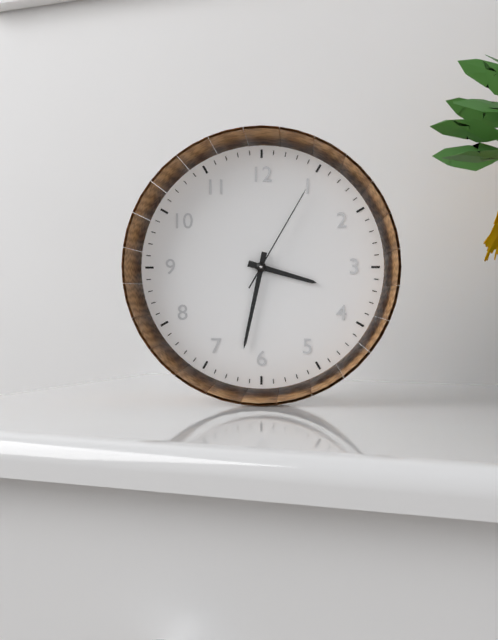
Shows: **3:32:05**
